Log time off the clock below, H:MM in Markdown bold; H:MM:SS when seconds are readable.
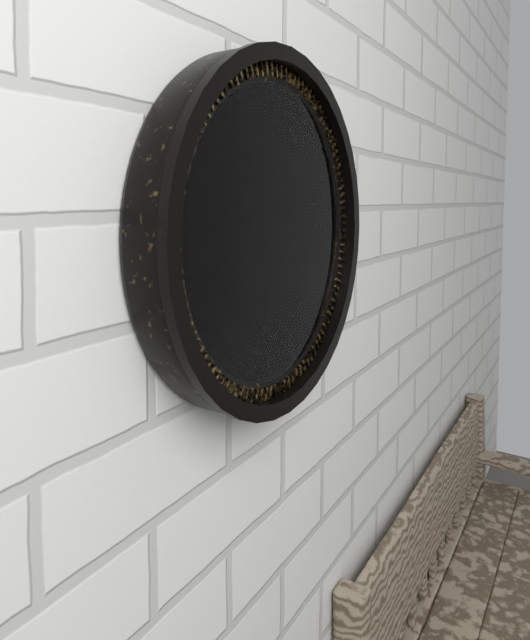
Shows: **10:56**
